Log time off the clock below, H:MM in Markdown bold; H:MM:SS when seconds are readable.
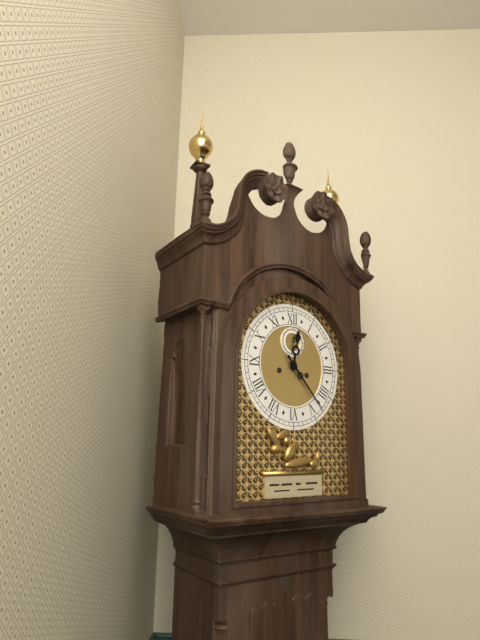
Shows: **12:23**
